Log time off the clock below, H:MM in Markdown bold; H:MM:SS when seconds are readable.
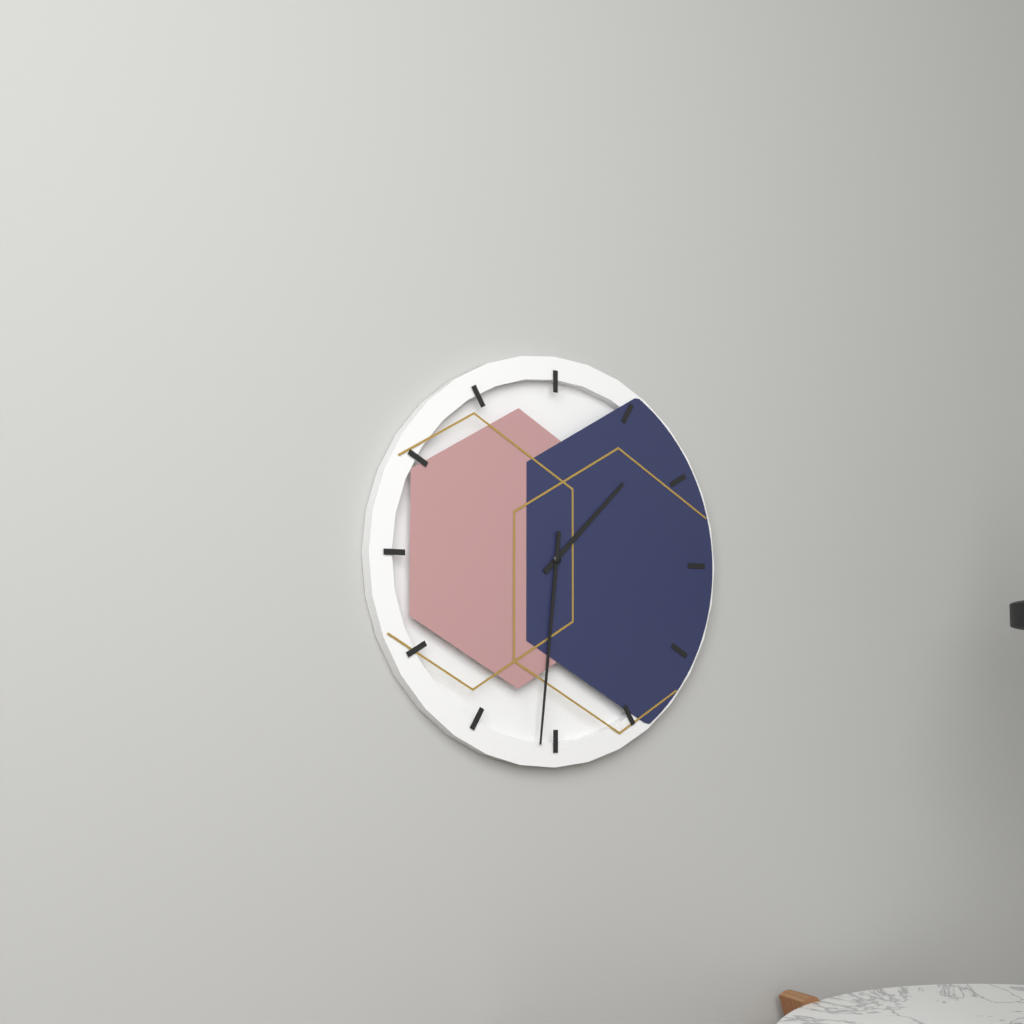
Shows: **1:31**
